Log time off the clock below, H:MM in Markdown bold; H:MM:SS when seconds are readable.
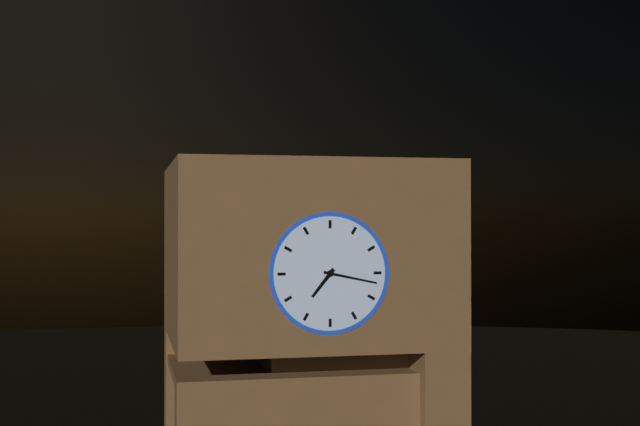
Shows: **7:17**
